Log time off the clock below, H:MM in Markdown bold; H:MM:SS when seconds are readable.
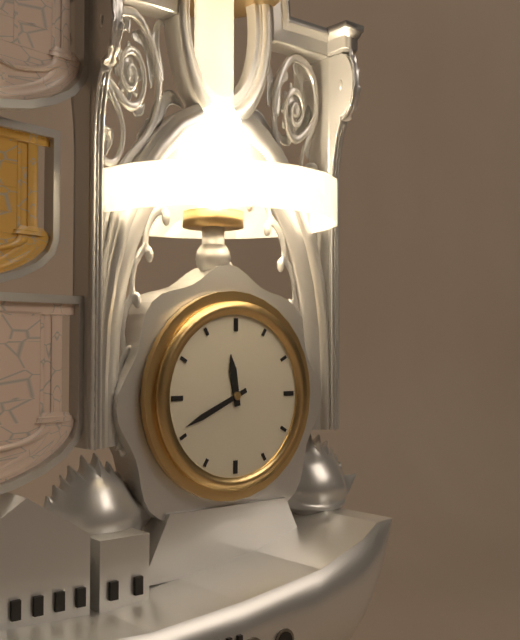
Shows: **11:41**
